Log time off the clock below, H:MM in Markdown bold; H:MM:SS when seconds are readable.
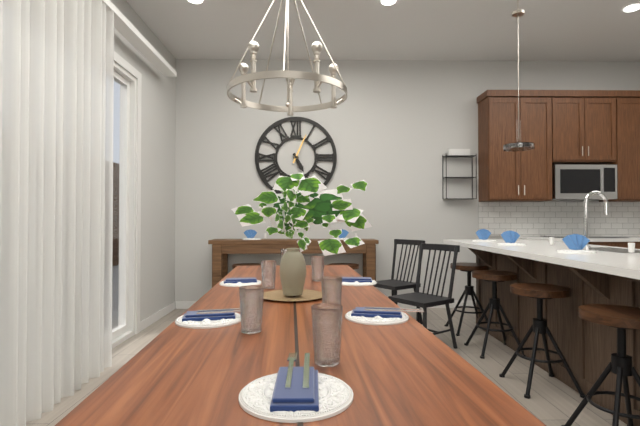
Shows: **5:04**
